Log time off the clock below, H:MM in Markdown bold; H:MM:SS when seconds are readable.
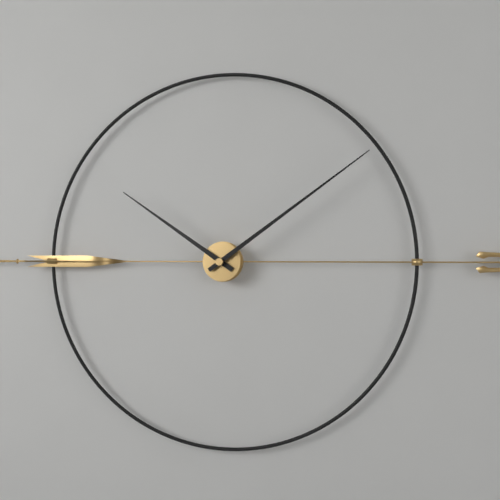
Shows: **10:09**
